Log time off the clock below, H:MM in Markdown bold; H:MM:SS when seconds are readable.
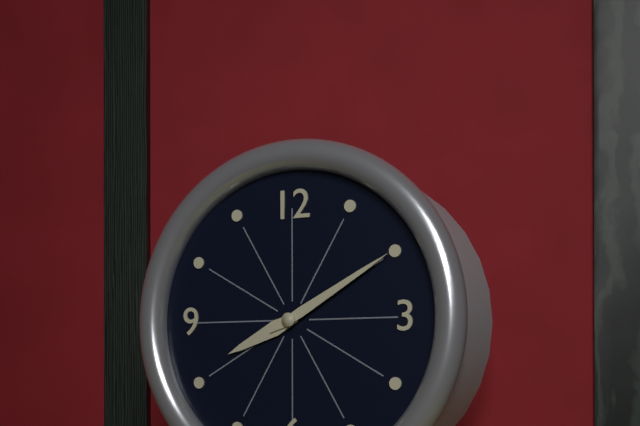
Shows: **8:10**
